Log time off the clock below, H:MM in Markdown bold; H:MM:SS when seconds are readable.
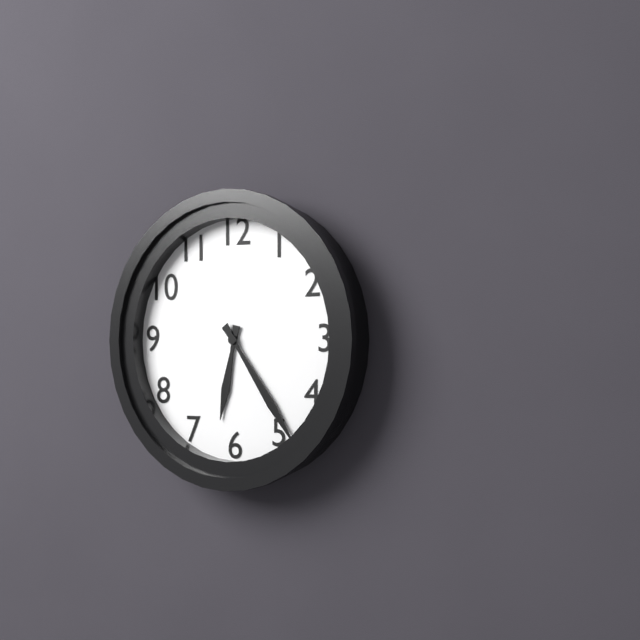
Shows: **6:24**
